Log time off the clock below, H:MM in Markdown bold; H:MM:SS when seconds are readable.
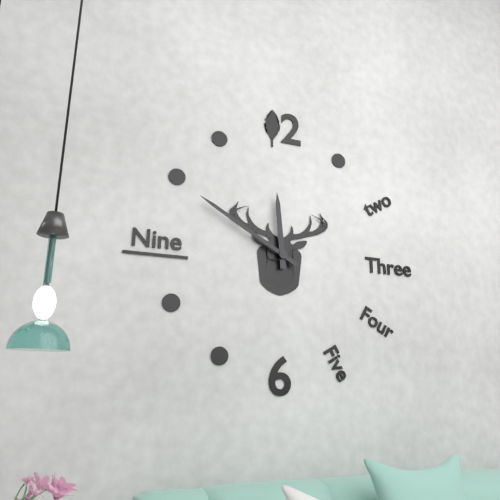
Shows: **11:50**
